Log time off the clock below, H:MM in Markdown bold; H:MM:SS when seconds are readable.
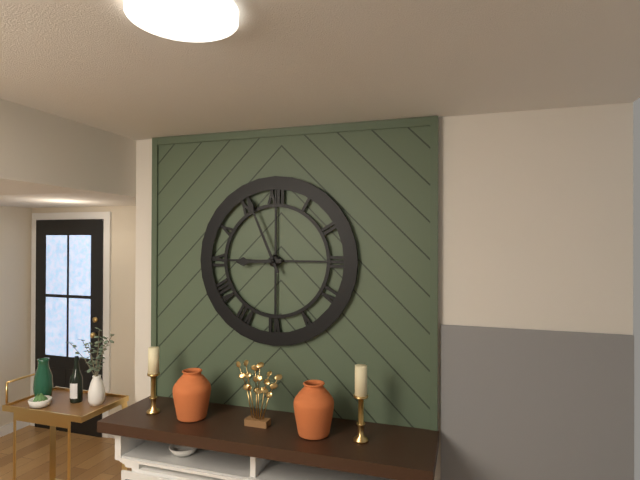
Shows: **8:56**
